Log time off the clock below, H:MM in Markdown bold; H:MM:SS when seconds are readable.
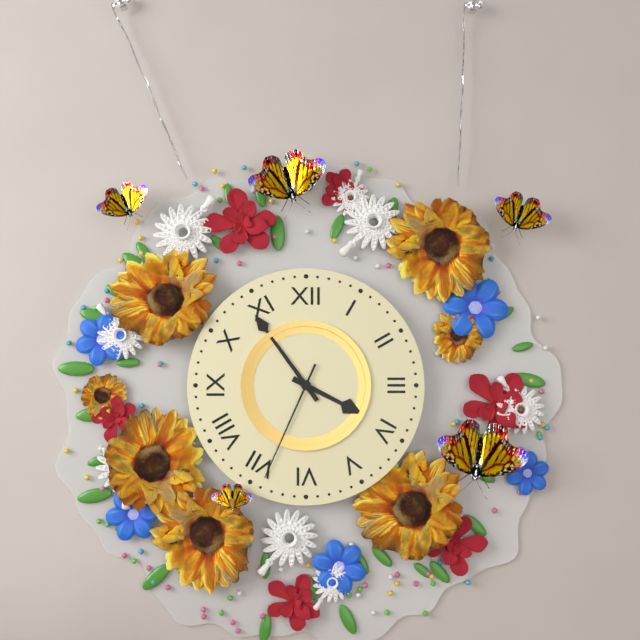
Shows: **3:54:34**
